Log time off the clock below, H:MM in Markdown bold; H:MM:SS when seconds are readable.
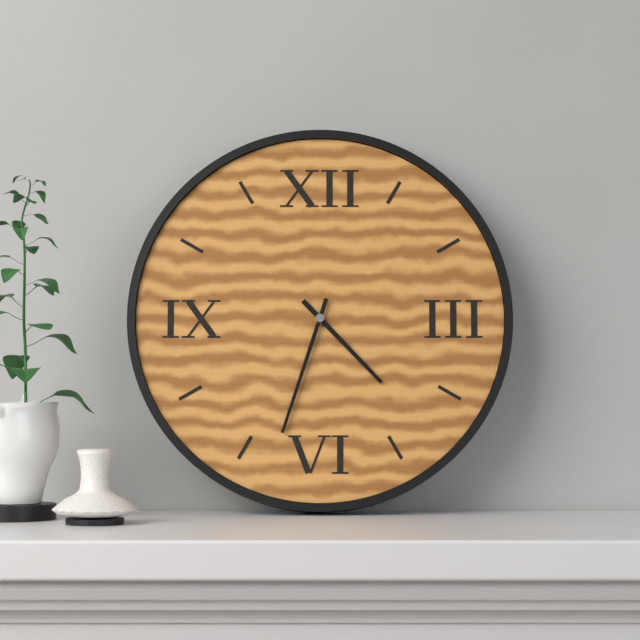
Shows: **4:33**
